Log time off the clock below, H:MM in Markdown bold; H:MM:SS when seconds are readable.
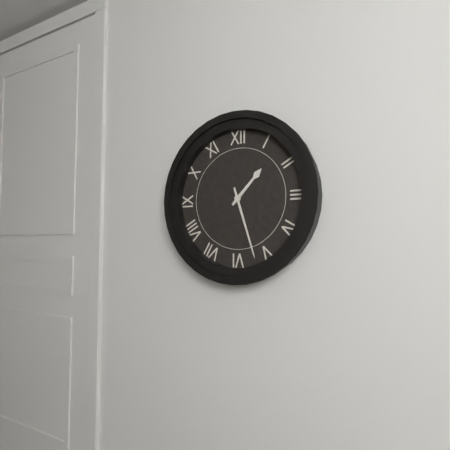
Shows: **1:27**
